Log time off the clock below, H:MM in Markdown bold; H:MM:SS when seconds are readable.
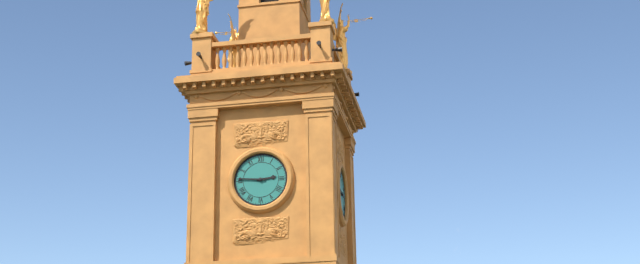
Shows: **2:46**
